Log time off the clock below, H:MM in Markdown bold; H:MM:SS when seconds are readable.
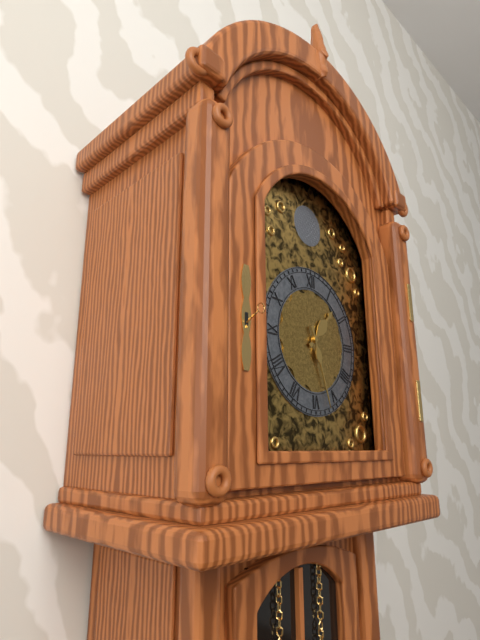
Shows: **1:27**
